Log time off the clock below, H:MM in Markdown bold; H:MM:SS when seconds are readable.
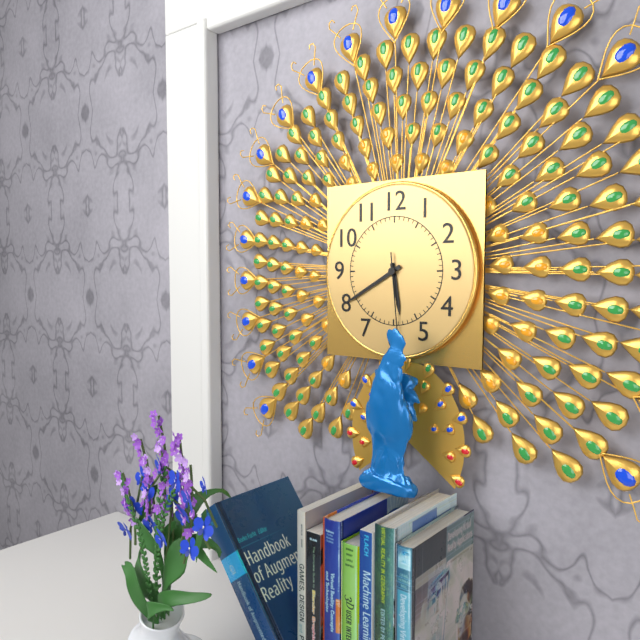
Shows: **5:40:29**
